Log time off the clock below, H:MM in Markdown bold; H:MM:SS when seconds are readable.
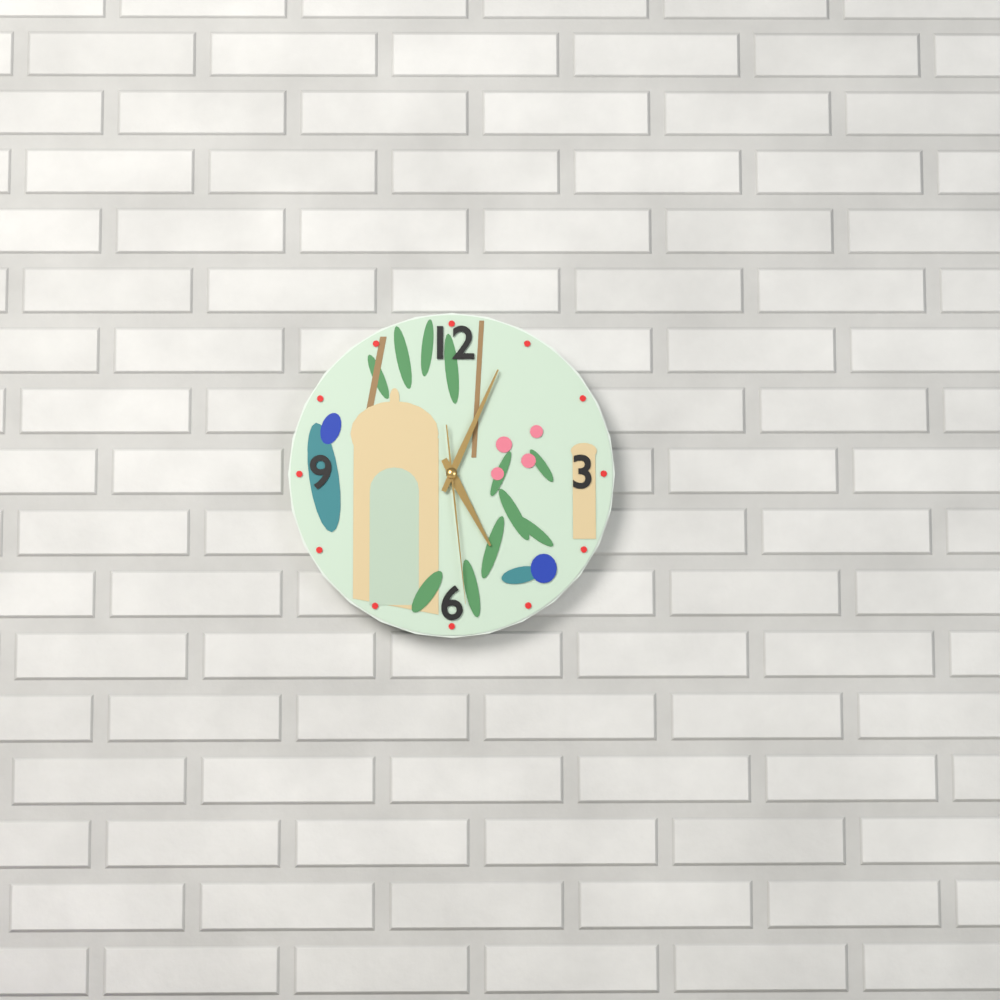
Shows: **5:04:29**
